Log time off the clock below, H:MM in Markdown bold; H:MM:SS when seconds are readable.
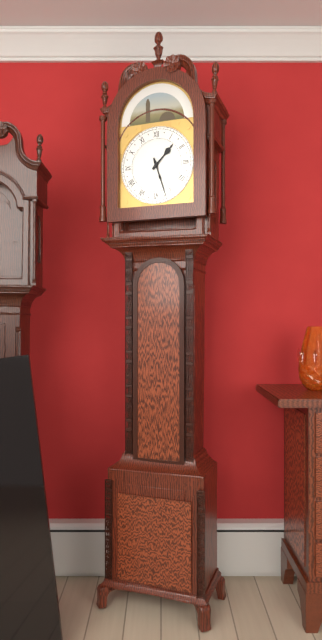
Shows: **1:27**
